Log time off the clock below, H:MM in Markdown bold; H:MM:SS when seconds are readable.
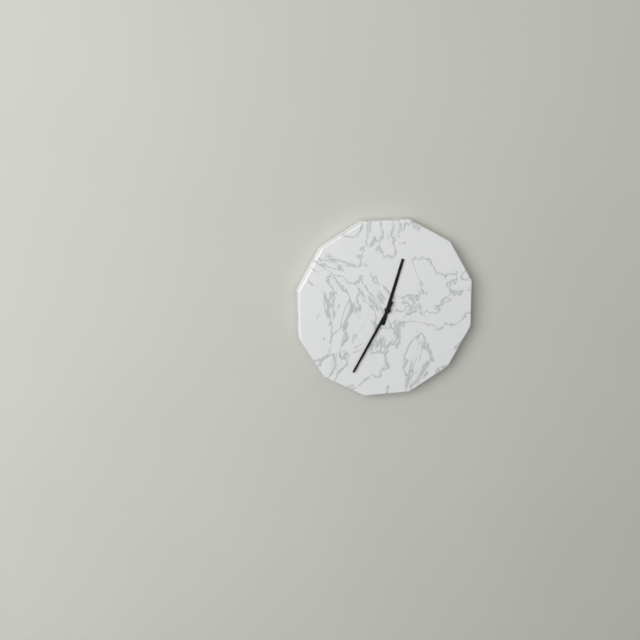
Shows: **12:35**
